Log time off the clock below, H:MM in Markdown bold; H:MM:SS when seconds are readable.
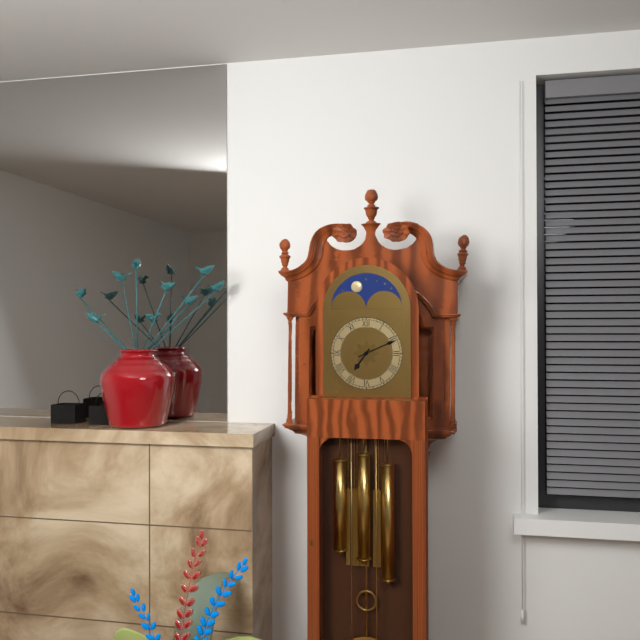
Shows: **7:11**
